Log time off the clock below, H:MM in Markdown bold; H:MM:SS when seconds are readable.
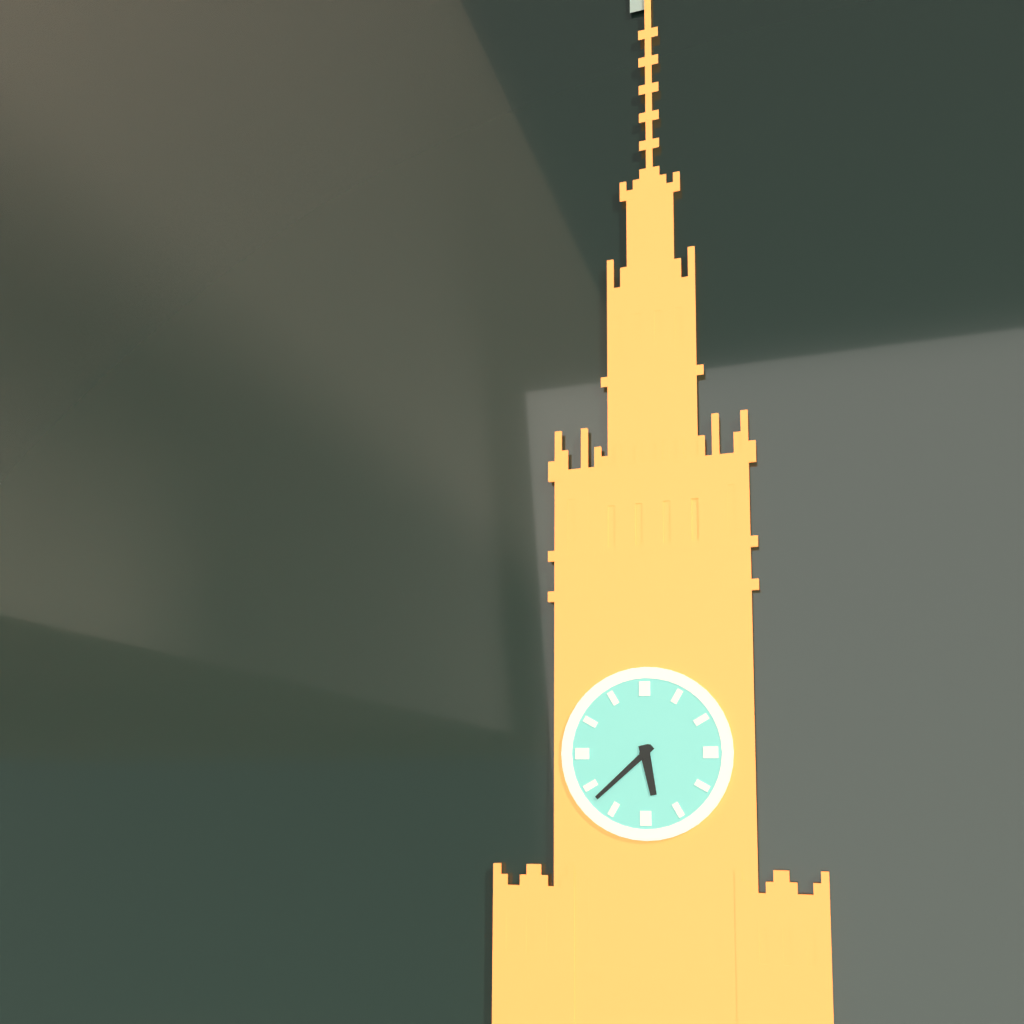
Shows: **5:38**
